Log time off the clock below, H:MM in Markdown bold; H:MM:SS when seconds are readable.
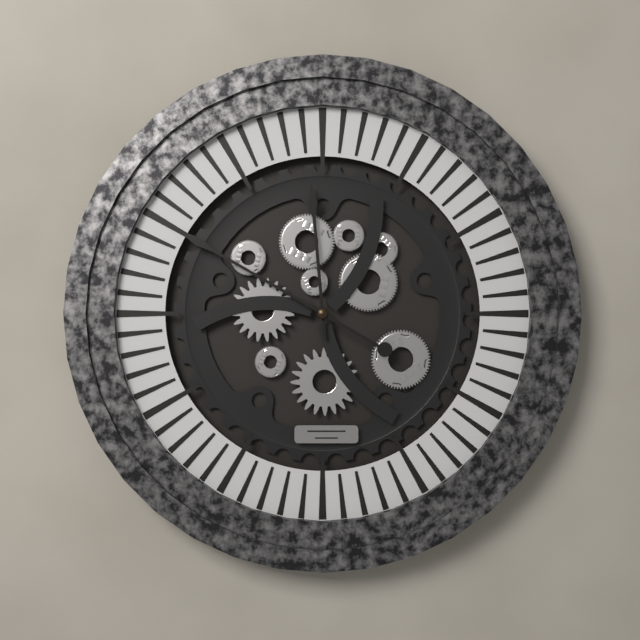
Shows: **11:50**
